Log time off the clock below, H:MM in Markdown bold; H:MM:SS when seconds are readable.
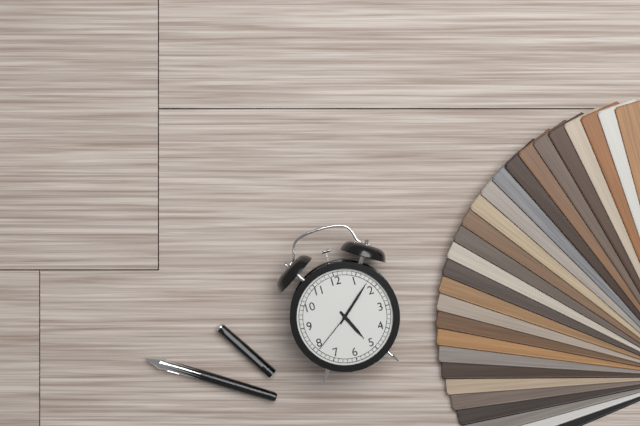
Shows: **5:08:39**
